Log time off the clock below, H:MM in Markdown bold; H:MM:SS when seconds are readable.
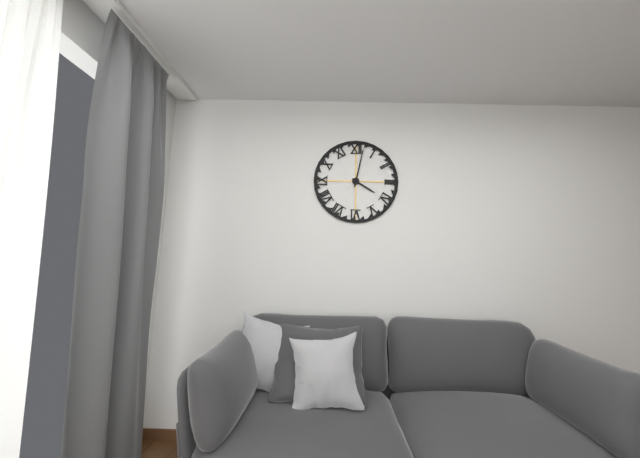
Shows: **4:02**
